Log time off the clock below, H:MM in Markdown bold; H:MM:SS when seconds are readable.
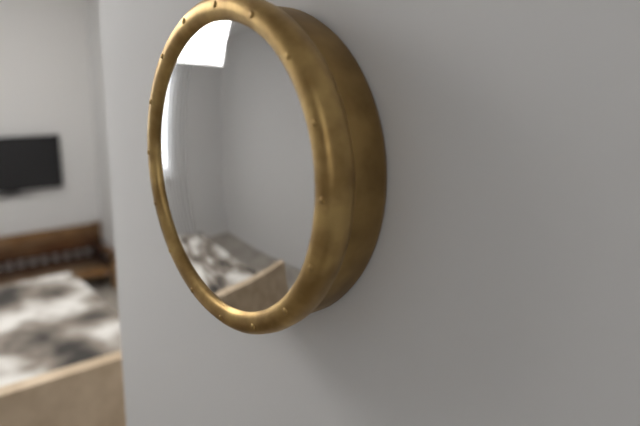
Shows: **5:50**
